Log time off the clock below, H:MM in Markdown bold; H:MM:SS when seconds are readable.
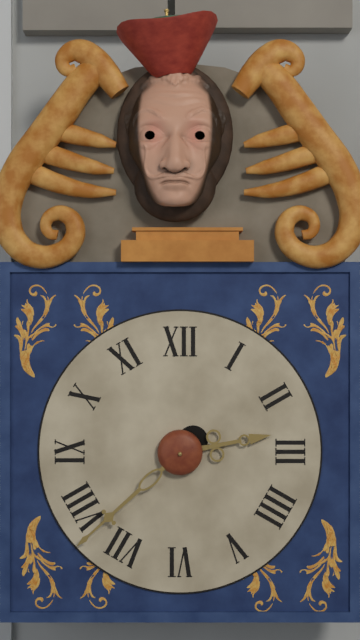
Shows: **2:38**
